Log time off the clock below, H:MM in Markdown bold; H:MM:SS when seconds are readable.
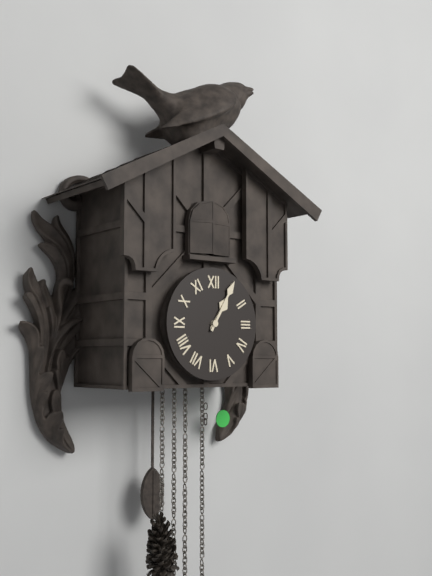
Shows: **1:05**
